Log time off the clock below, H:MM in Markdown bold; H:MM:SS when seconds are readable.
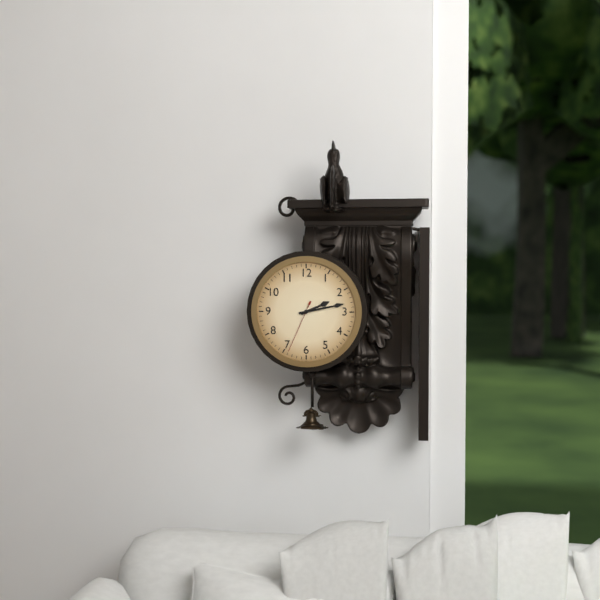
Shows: **2:13:34**
